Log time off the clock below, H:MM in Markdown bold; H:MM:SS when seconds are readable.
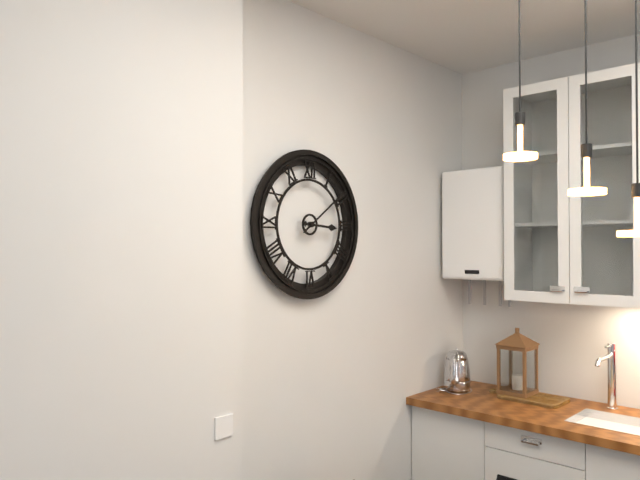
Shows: **3:09**
